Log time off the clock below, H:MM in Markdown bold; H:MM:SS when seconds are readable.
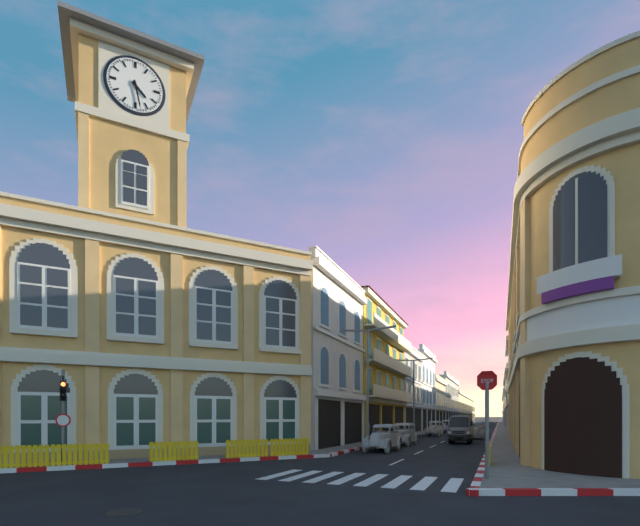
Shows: **4:28**
